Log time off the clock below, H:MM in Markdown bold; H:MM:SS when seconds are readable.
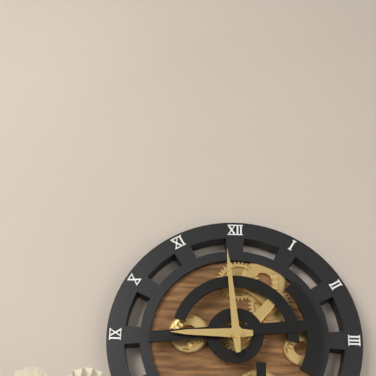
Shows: **8:59**
